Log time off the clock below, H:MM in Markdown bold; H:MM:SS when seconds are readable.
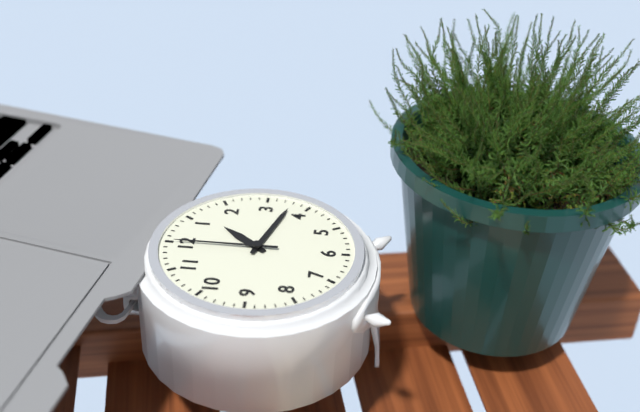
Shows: **1:18:00**
